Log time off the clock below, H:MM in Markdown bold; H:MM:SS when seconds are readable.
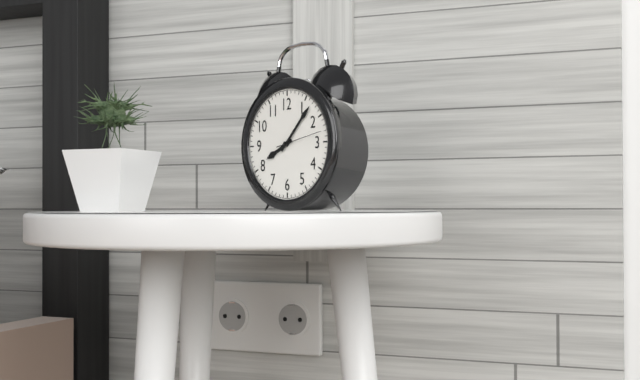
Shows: **8:07**
